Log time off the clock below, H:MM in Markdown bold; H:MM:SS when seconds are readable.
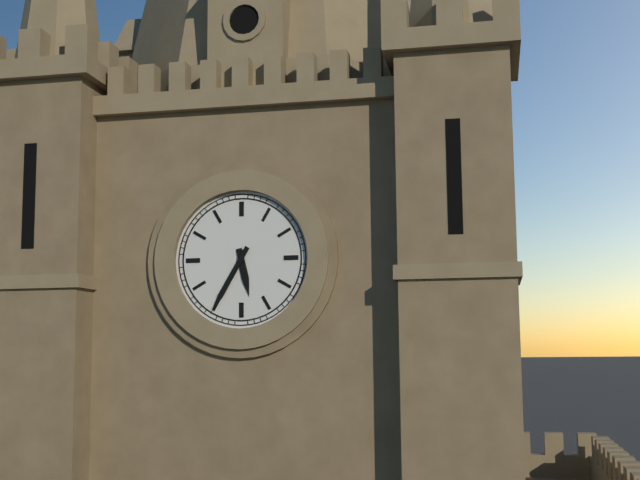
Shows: **5:35**
